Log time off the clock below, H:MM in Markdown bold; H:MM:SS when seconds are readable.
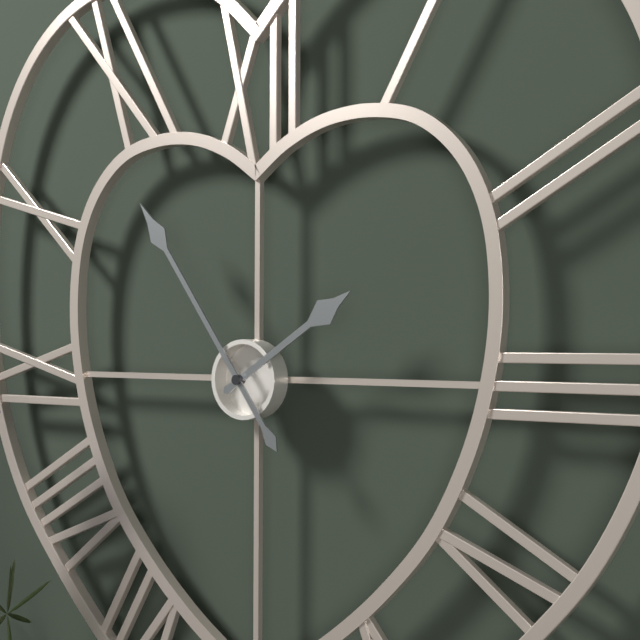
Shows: **1:54**
